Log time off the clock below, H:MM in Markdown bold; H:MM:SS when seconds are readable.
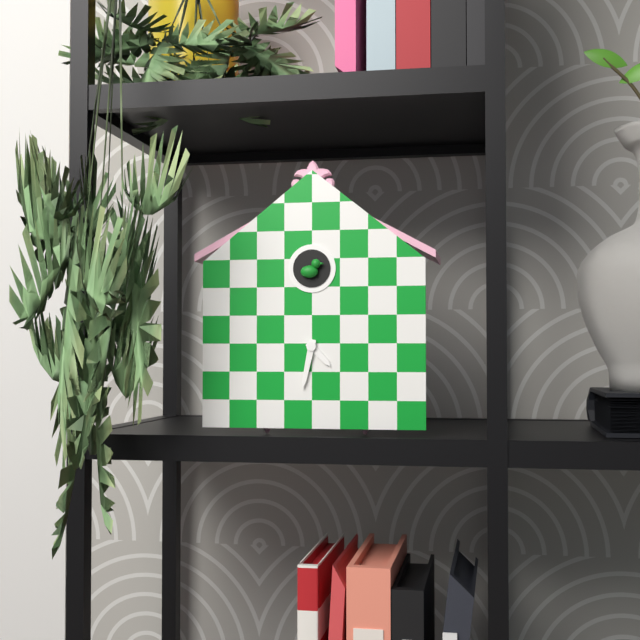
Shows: **4:32**
